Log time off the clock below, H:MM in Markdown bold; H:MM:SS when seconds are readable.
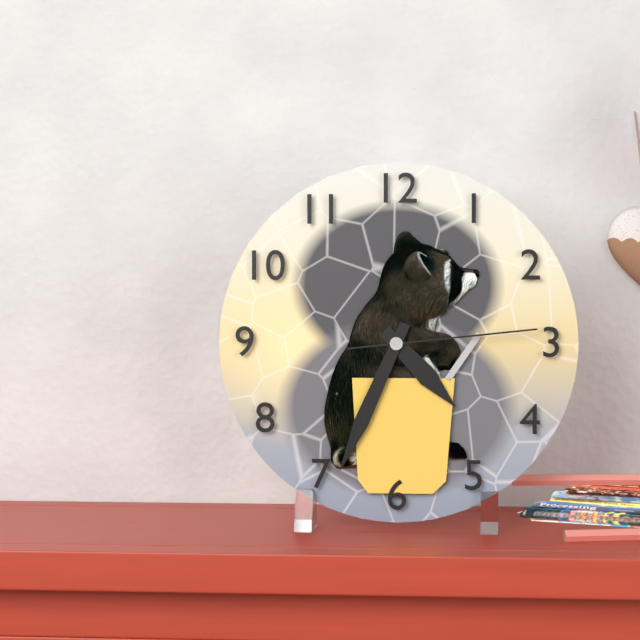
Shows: **4:34:14**
